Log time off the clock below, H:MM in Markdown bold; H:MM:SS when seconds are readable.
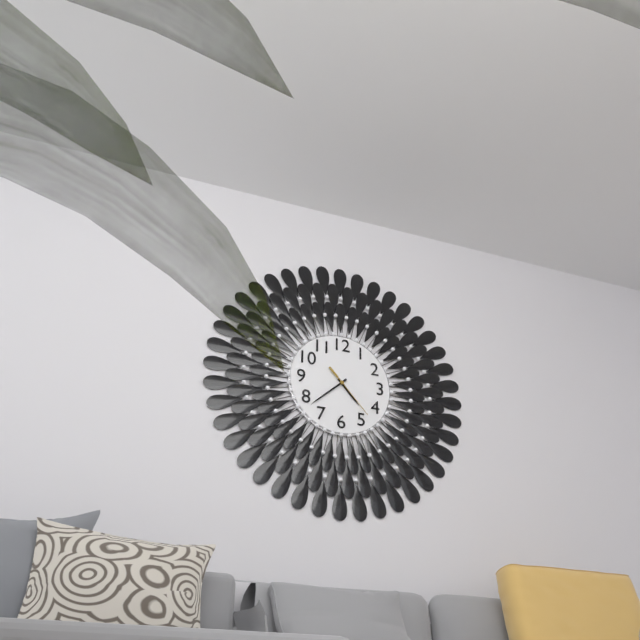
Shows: **4:38:23**
